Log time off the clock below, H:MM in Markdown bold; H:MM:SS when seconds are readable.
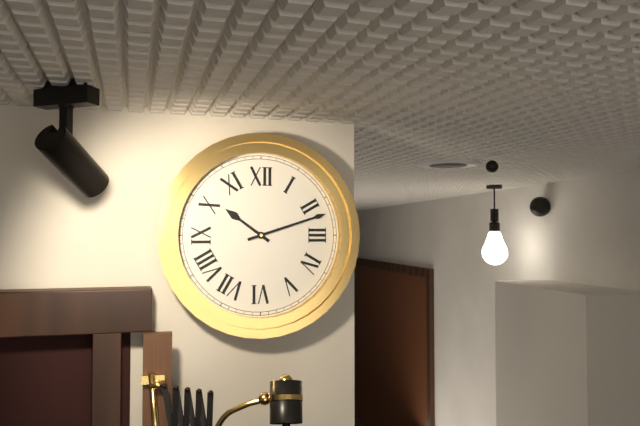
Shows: **10:12**
